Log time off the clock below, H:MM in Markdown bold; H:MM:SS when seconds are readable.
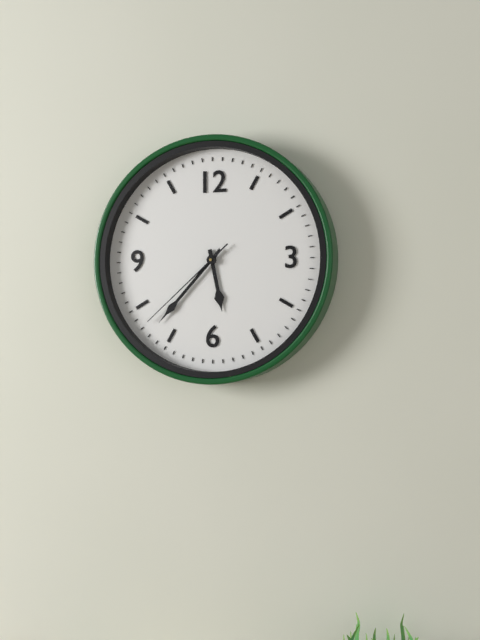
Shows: **5:37:38**
